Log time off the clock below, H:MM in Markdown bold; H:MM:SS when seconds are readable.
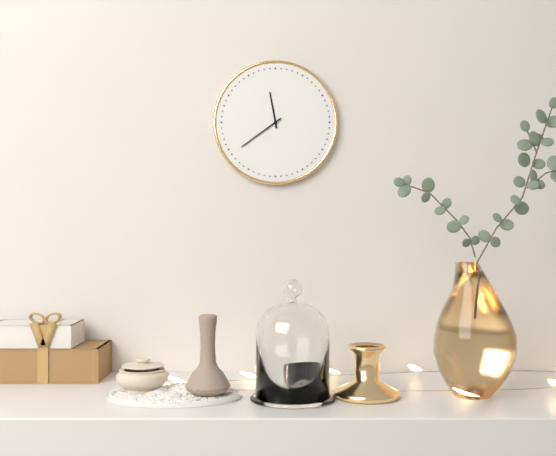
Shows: **11:39**
